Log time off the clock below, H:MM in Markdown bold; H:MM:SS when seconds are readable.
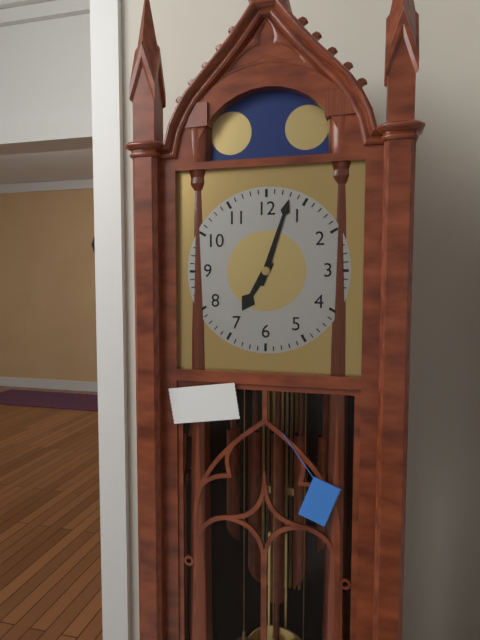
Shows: **7:03**
